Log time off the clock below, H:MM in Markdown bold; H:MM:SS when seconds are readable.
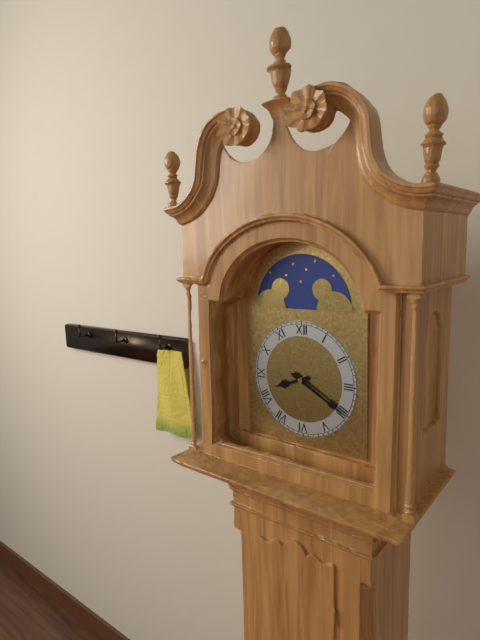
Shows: **8:20**
